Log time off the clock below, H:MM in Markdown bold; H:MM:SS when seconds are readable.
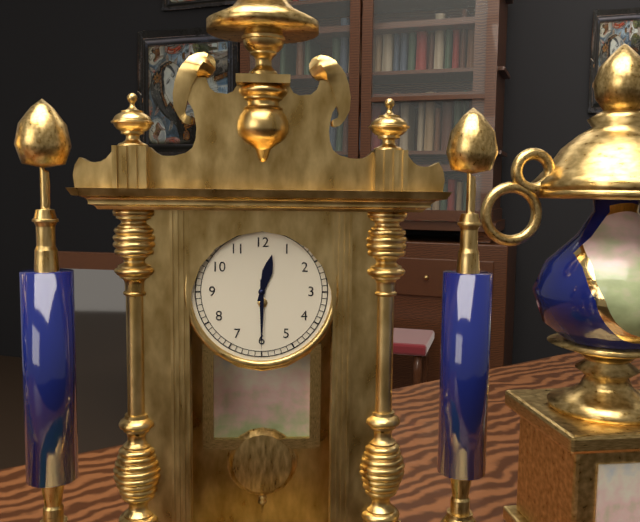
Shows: **12:30**
